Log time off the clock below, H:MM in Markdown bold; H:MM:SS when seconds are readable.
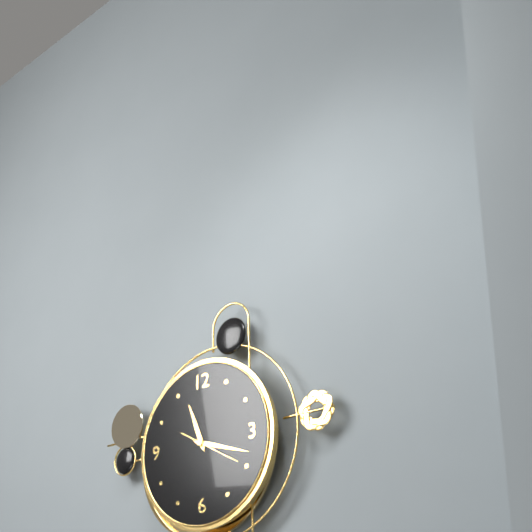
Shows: **11:18:20**
